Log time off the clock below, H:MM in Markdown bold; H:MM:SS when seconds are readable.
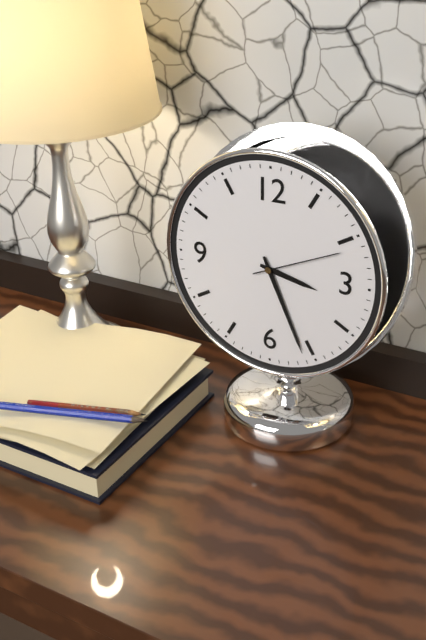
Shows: **3:26:11**
